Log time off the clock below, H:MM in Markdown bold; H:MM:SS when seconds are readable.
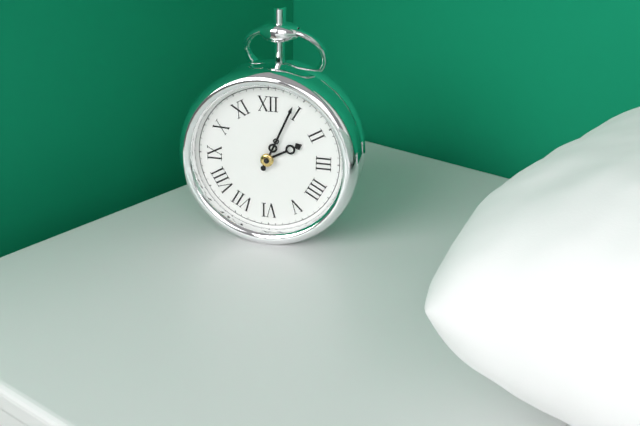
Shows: **2:04**
